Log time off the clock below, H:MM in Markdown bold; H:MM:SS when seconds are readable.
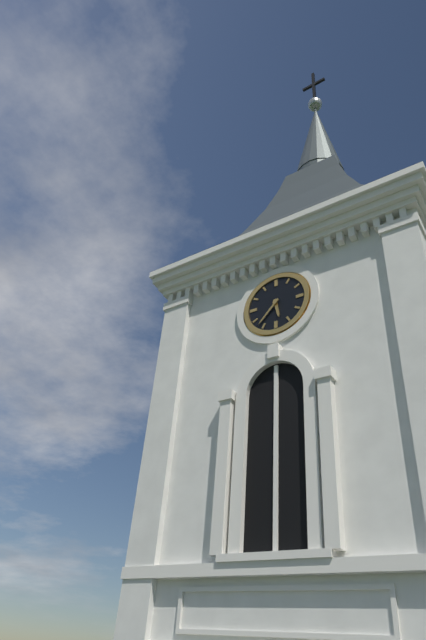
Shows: **5:37**
